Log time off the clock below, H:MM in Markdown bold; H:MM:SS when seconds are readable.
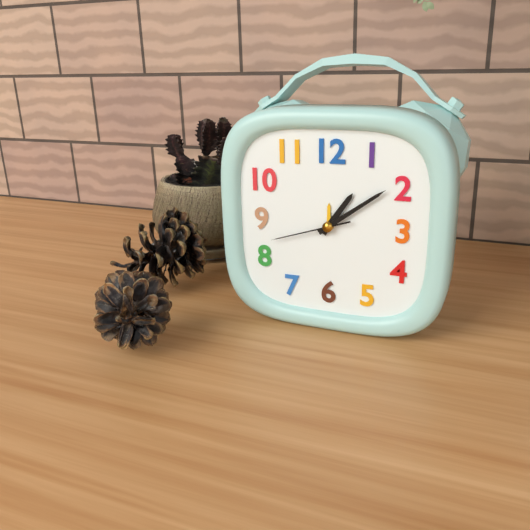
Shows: **1:09:42**
